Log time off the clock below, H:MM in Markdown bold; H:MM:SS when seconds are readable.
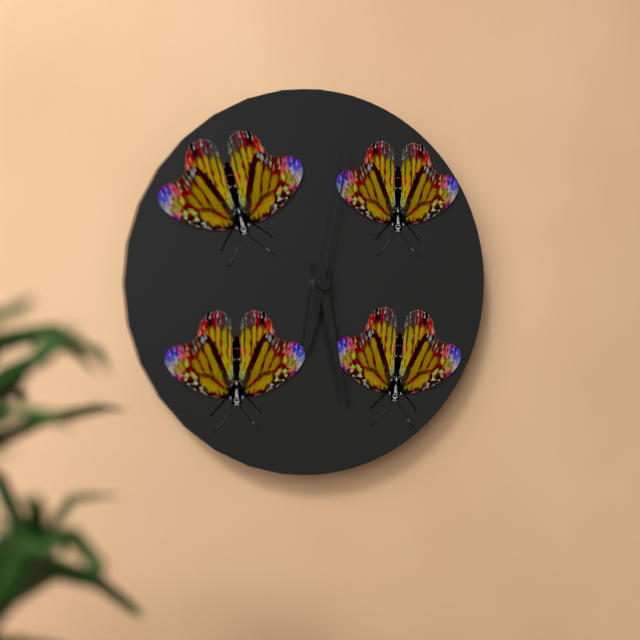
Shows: **6:28:02**
